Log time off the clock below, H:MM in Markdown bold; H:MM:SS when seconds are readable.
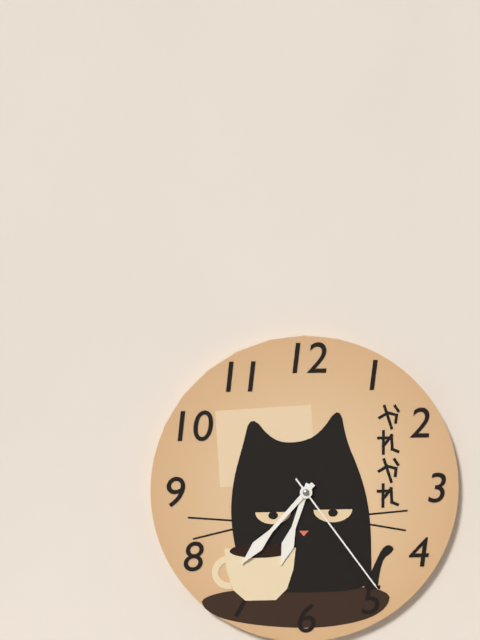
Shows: **6:37:24**
